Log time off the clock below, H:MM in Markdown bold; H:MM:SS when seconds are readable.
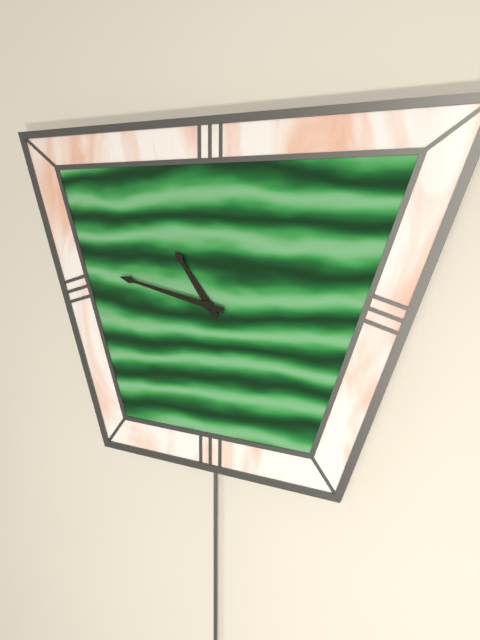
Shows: **10:47**
